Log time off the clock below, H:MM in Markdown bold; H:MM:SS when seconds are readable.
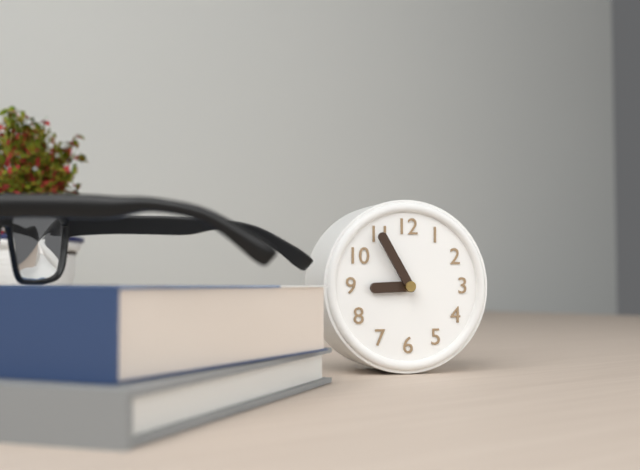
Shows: **8:55**
